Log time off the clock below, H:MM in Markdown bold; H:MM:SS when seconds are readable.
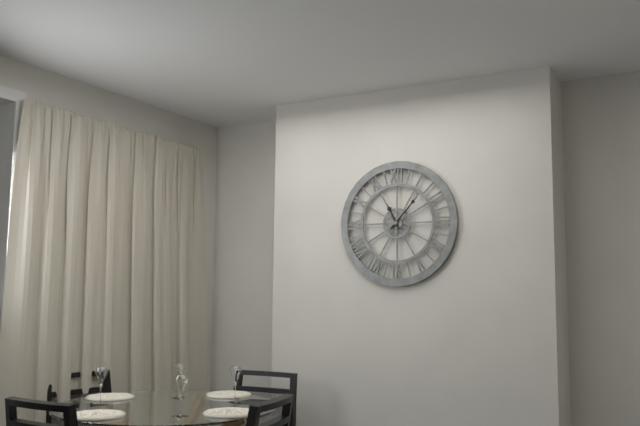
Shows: **11:07**
